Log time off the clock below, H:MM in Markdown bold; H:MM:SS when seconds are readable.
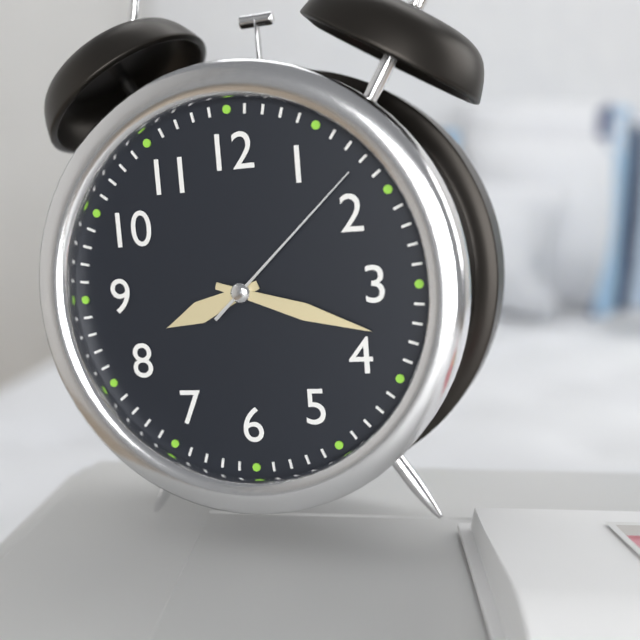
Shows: **8:18:08**
